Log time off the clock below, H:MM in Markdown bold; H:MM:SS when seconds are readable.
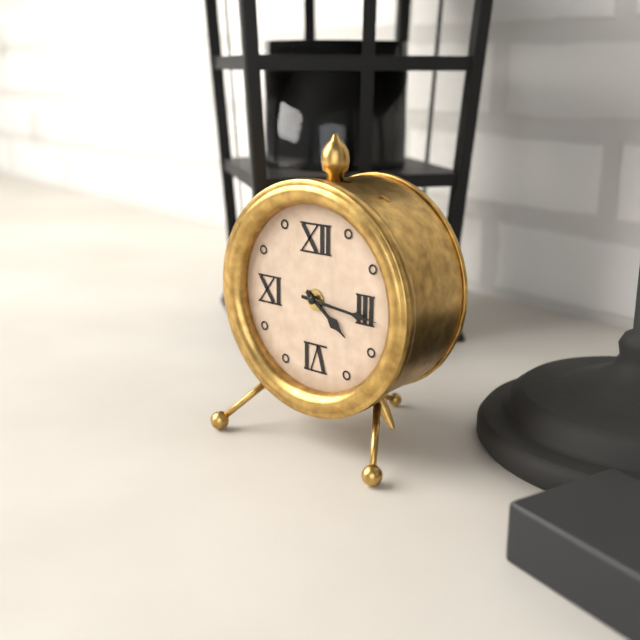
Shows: **4:16**
